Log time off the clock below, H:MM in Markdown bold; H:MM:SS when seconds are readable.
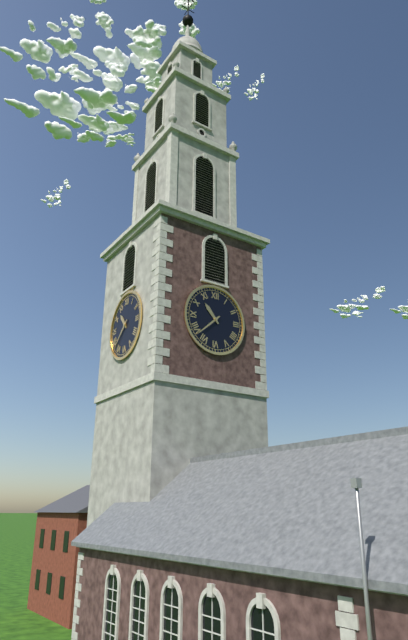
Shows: **10:38**
